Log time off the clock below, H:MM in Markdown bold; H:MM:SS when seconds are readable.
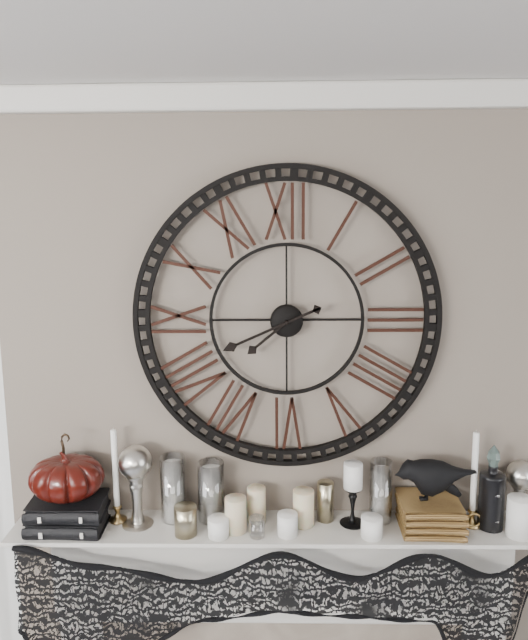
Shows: **7:41**
